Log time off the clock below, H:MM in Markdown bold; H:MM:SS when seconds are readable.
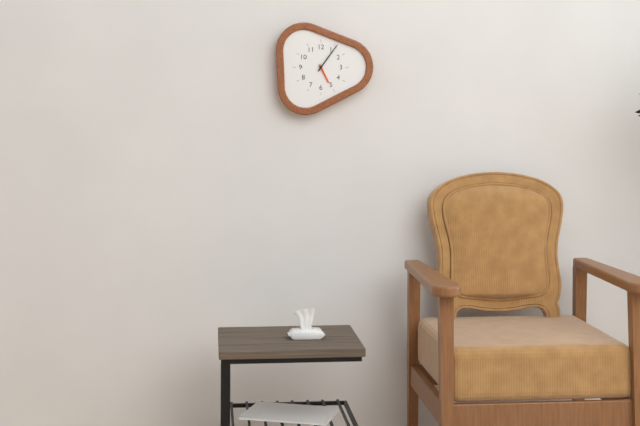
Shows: **5:06**
